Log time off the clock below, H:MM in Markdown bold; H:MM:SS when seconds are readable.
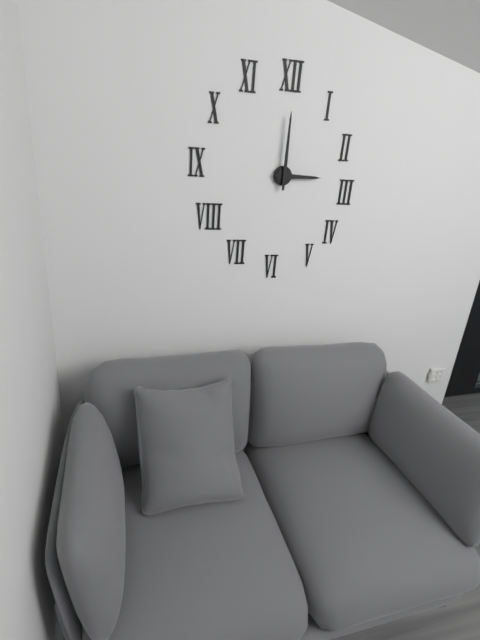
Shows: **3:00**
